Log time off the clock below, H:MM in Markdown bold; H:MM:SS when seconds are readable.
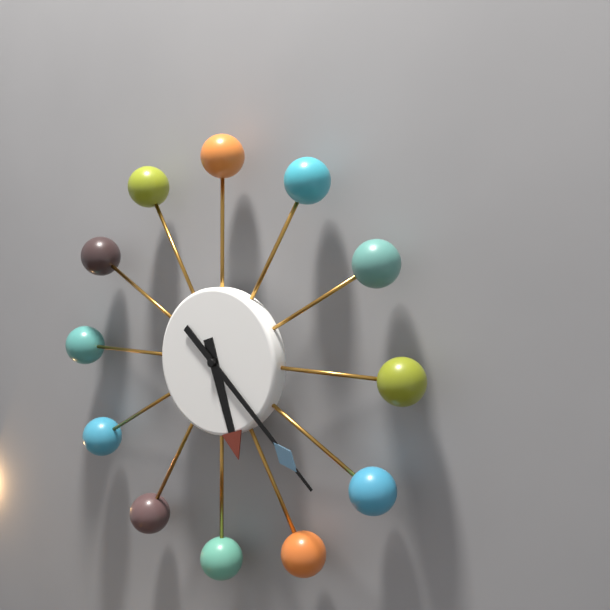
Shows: **5:22**
